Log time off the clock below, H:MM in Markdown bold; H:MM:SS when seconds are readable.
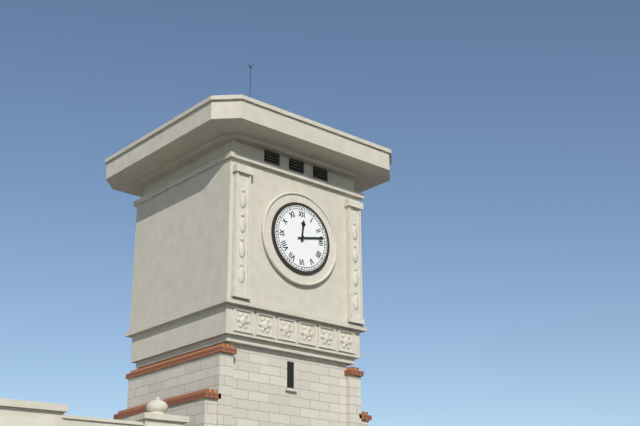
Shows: **12:13**
